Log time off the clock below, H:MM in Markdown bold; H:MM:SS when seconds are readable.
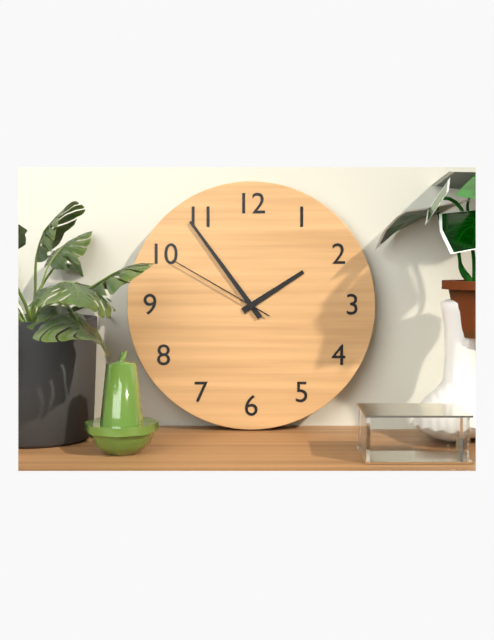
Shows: **1:54:50**
